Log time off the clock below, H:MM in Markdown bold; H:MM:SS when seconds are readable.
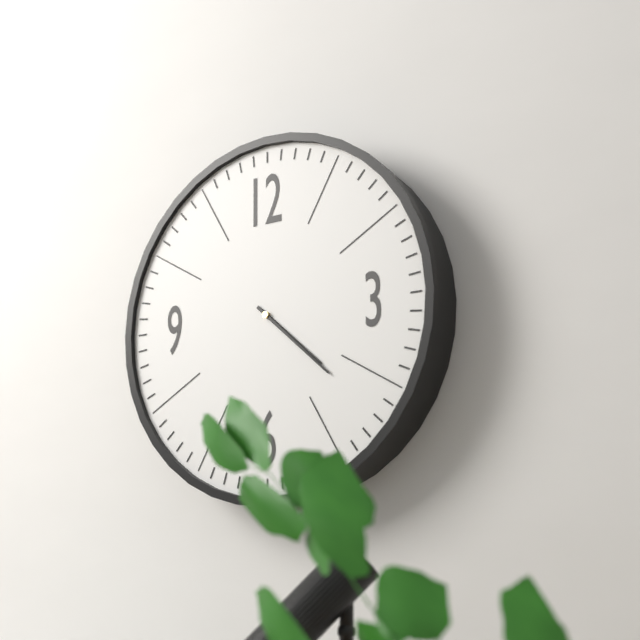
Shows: **4:22**
